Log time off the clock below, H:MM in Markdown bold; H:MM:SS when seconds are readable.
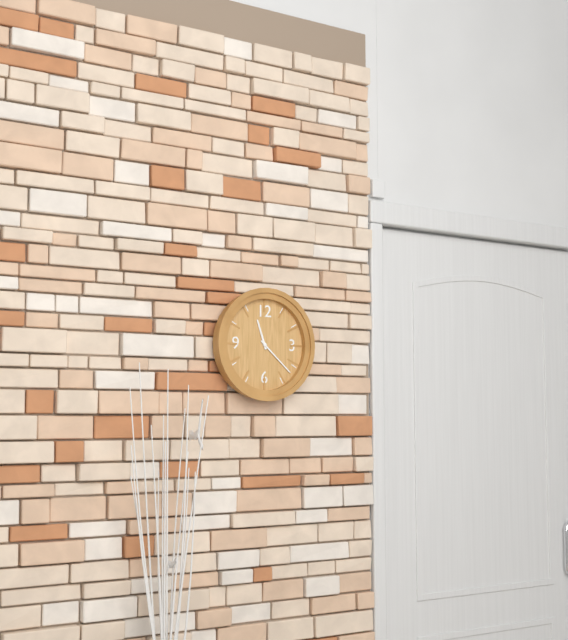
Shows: **11:22**
